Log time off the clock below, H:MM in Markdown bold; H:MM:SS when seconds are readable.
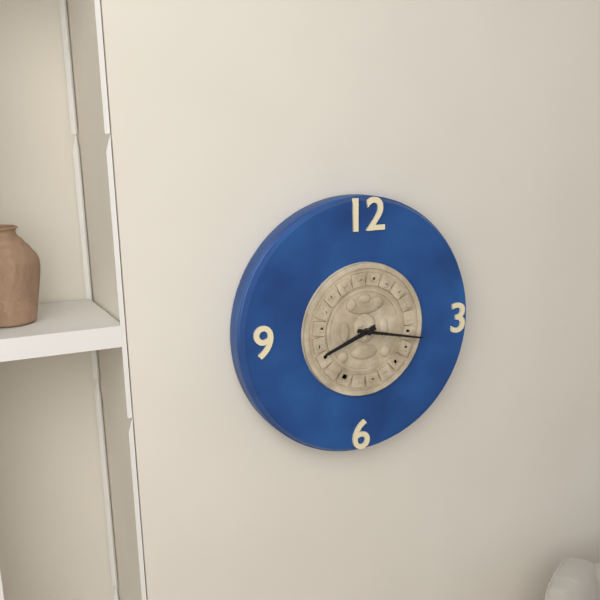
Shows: **8:17**
